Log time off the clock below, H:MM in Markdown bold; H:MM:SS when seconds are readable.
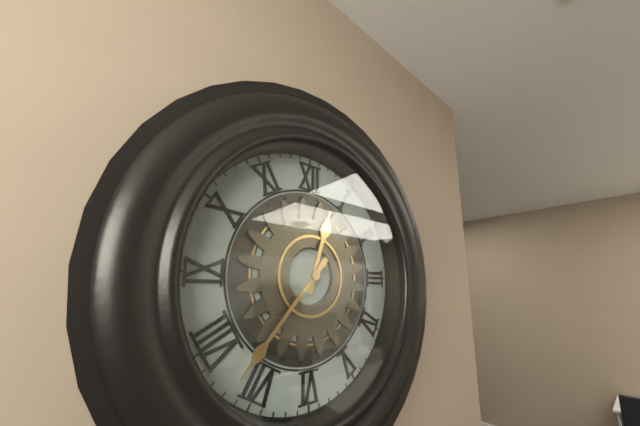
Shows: **12:37**
